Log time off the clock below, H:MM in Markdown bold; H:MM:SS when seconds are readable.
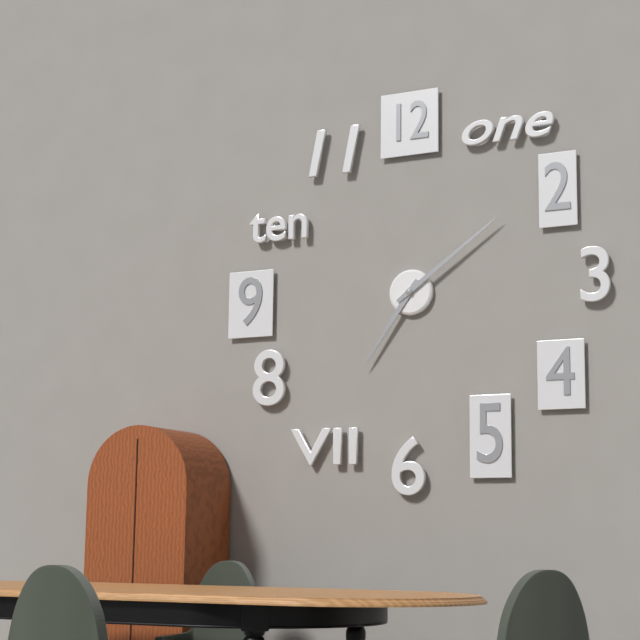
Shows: **7:09**
